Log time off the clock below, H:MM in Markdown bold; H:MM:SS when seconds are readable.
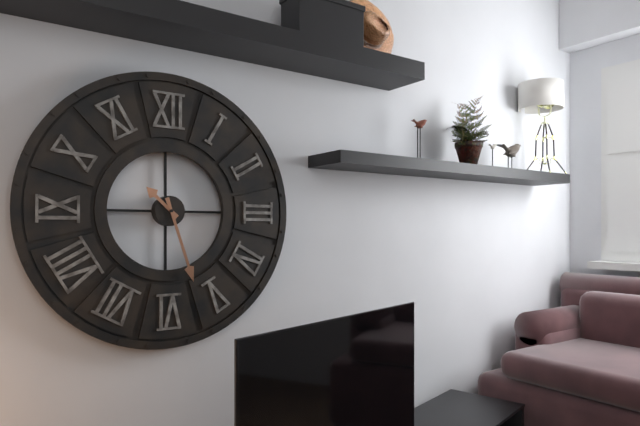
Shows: **10:27**
